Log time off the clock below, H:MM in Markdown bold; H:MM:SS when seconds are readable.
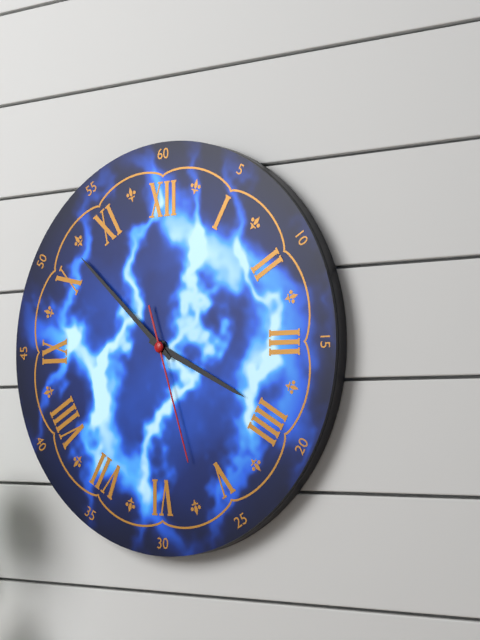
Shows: **3:52:27**
